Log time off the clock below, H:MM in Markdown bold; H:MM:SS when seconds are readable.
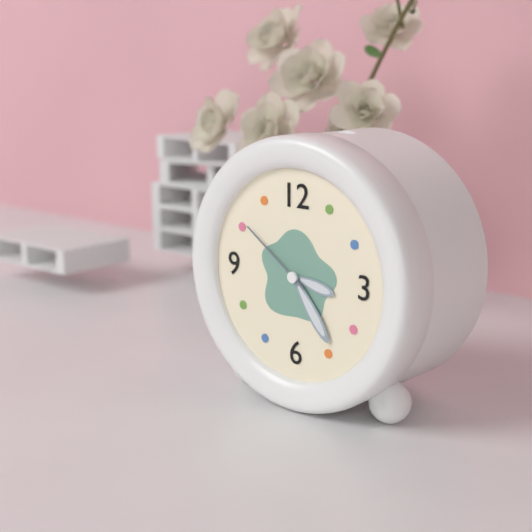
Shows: **3:24:51**
